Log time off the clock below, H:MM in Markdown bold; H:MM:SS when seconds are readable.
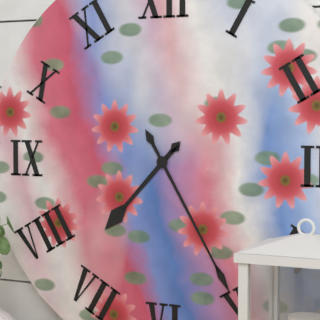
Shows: **7:25**
